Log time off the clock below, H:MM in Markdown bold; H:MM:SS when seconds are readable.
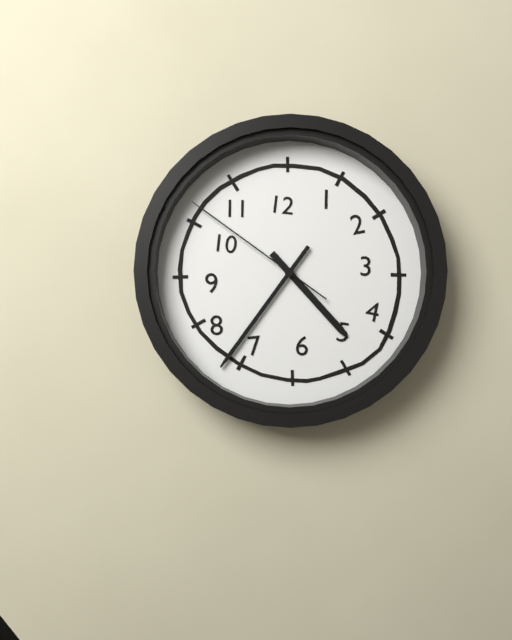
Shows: **4:36:51**
